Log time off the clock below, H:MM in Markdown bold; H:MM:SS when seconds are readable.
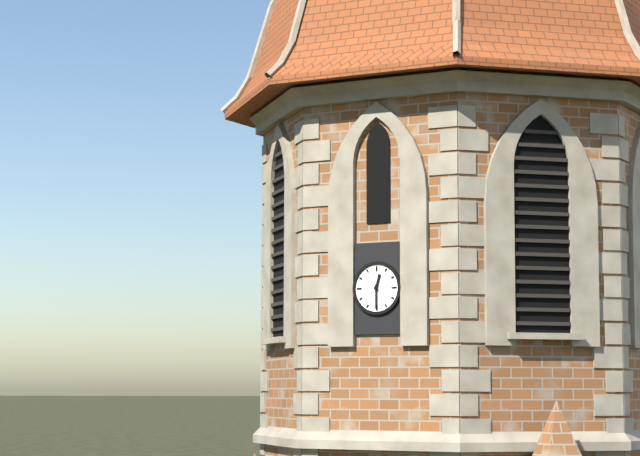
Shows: **12:30**
